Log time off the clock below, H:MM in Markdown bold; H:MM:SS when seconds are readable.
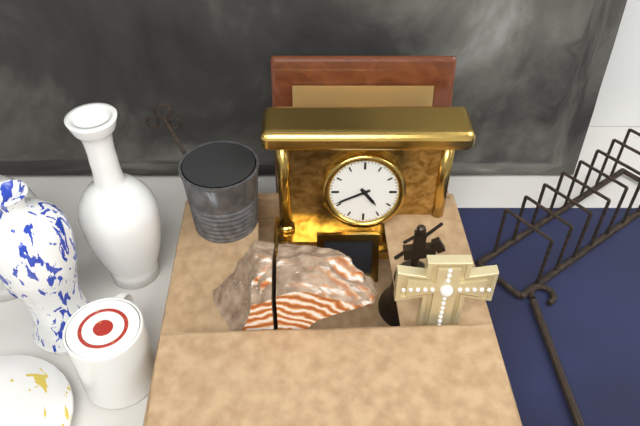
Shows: **4:41**
